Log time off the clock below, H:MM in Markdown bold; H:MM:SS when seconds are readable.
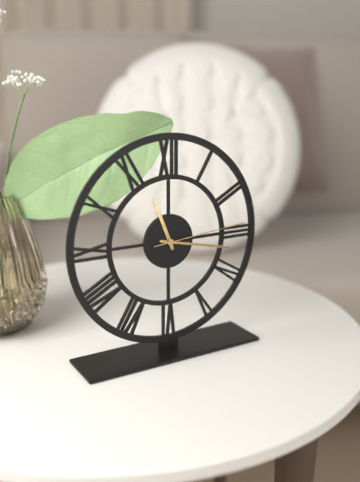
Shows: **11:17:14**
